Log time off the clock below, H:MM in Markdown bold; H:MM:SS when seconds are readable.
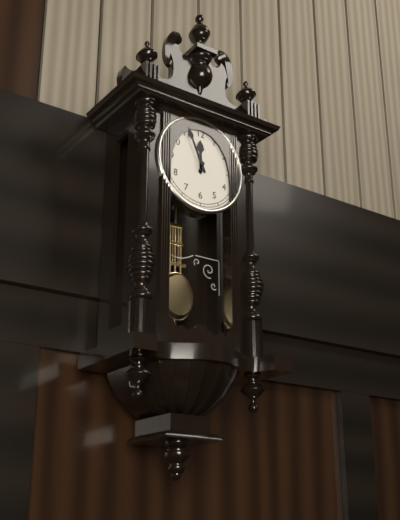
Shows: **11:56**
